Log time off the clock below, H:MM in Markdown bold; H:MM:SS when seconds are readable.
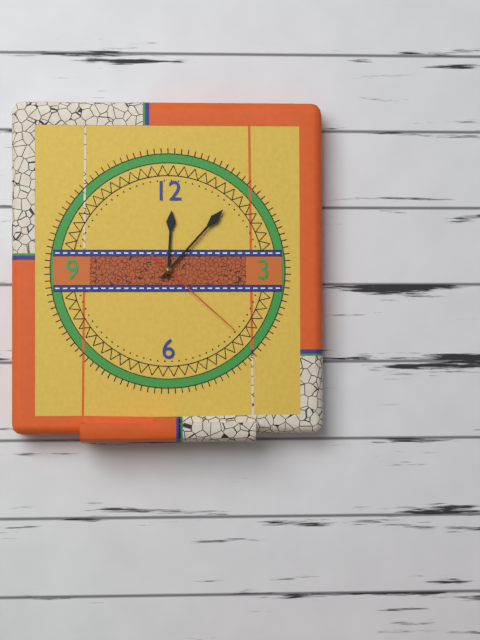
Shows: **12:07:22**
